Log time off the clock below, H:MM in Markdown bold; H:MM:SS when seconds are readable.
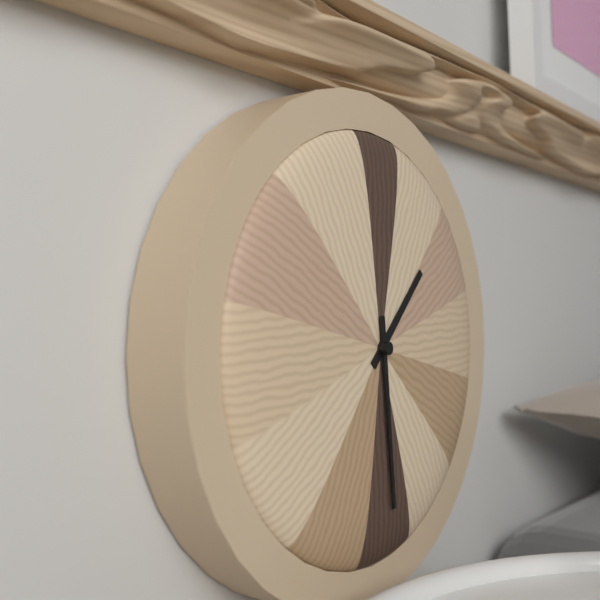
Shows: **1:29**
